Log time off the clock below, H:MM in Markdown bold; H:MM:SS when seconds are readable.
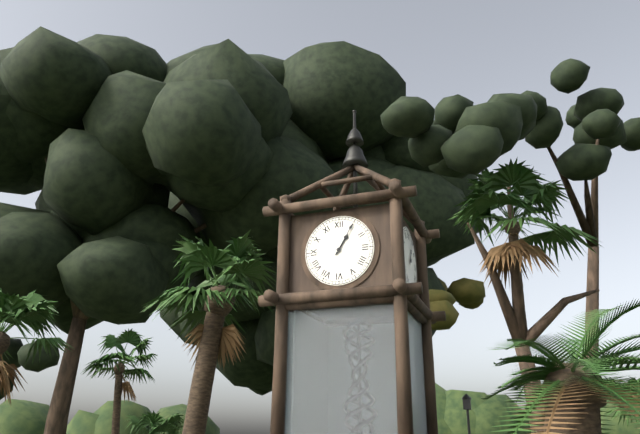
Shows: **1:05**
